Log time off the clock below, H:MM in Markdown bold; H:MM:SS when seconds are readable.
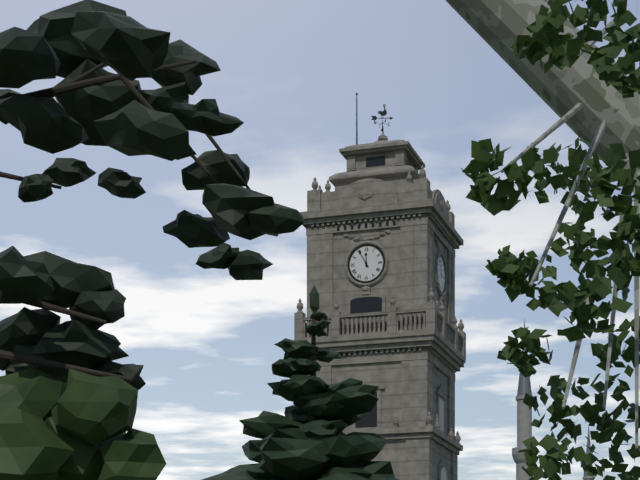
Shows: **11:55**
